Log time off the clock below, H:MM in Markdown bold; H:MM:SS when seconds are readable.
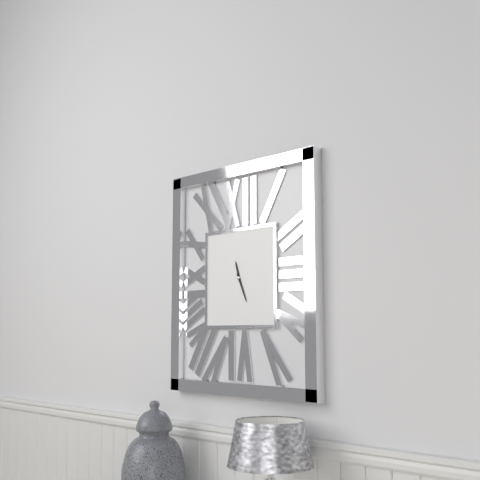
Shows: **11:26**
